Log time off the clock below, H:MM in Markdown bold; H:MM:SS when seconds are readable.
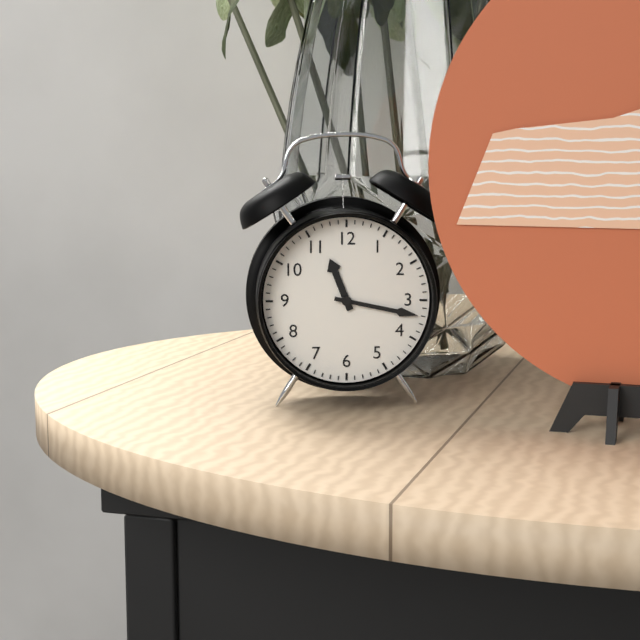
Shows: **11:17**
